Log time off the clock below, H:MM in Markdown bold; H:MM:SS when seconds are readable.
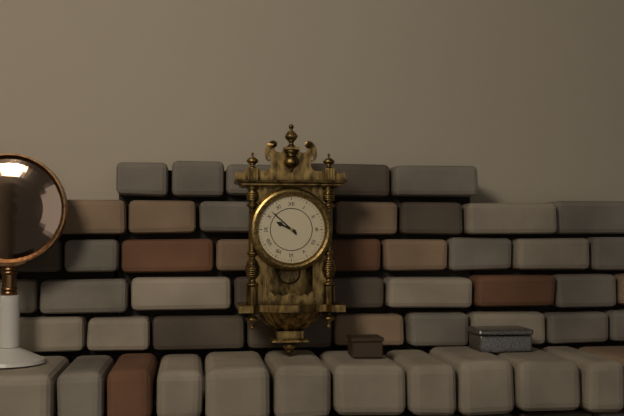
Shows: **9:52**
